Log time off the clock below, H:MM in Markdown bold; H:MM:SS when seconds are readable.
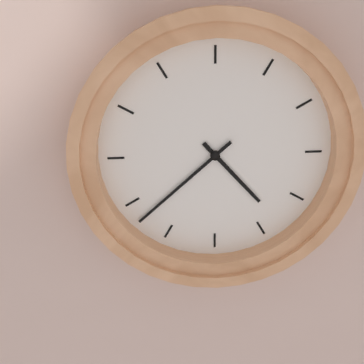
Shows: **4:38**
